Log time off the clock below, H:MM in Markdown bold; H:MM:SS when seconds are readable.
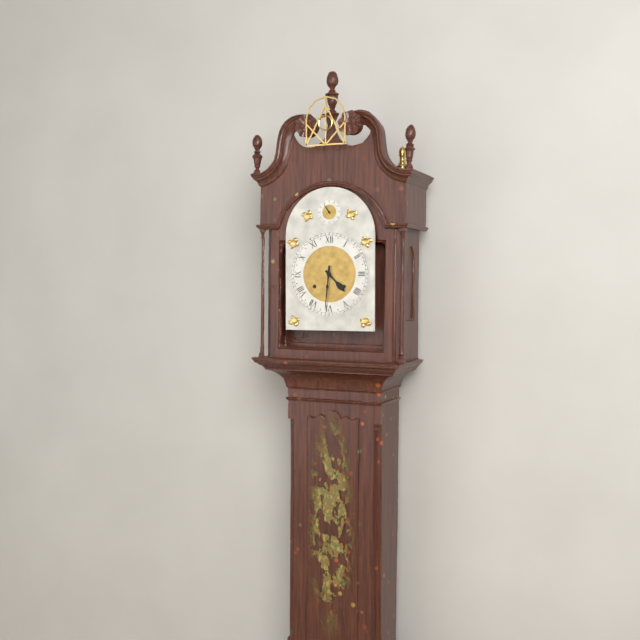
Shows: **4:31**
